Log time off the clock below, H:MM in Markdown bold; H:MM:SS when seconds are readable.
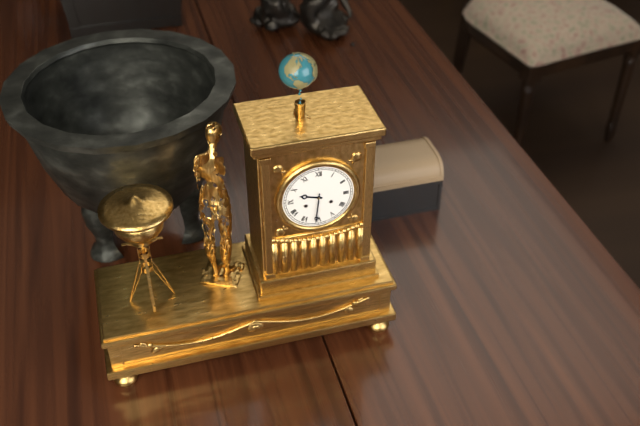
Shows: **9:31**
